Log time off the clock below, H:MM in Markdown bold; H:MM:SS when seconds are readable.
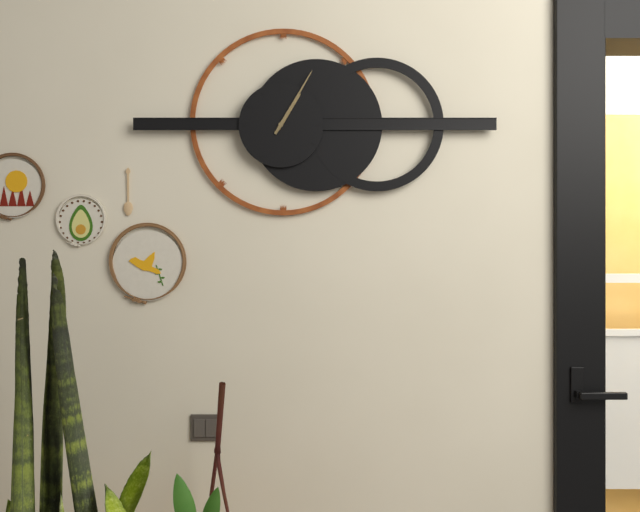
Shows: **1:05**
